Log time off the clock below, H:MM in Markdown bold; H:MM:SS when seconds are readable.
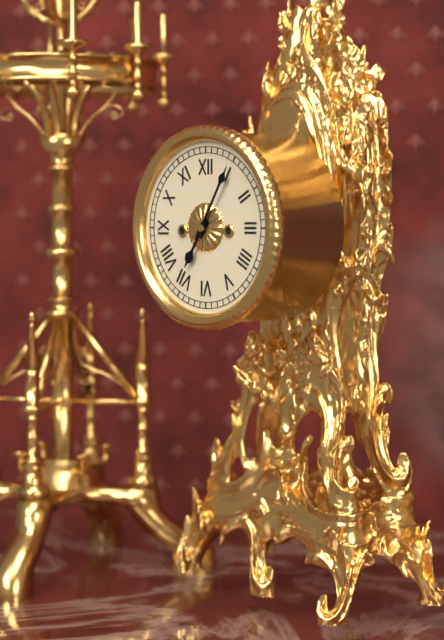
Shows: **7:05**
